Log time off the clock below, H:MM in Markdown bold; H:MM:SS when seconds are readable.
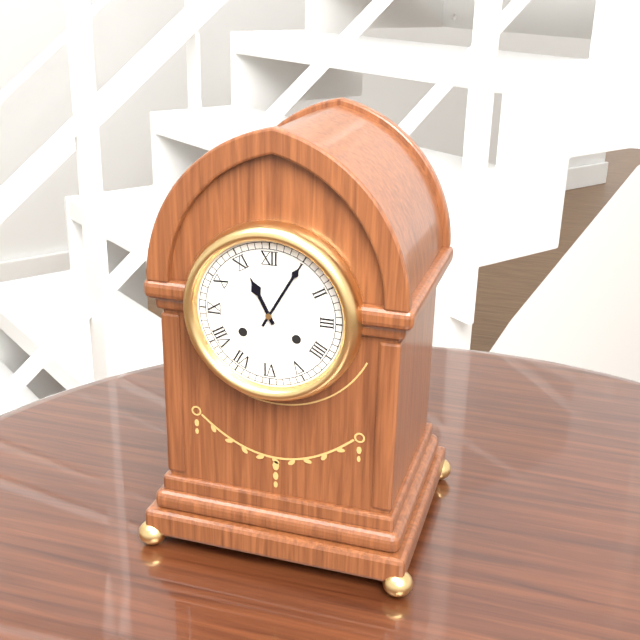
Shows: **11:05**
